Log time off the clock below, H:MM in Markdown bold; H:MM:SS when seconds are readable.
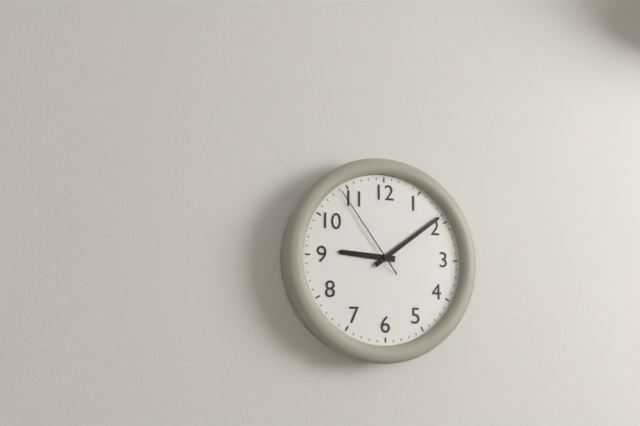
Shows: **9:09:54**
